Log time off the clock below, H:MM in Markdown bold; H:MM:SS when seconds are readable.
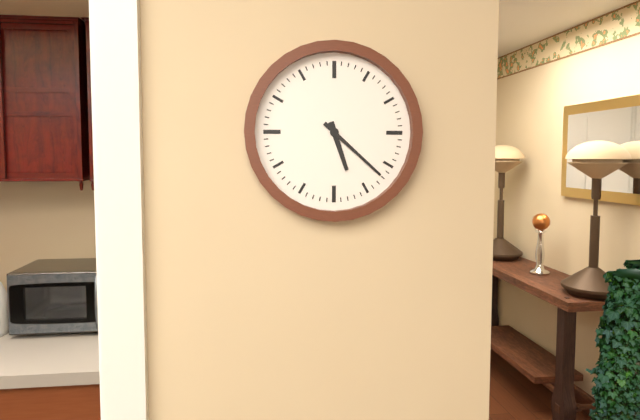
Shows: **5:22**
